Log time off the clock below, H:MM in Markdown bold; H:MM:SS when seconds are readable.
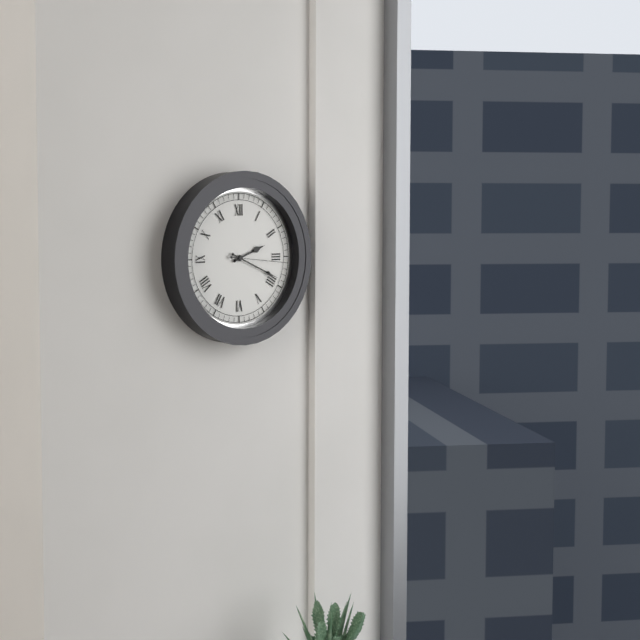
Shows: **2:19:16**
